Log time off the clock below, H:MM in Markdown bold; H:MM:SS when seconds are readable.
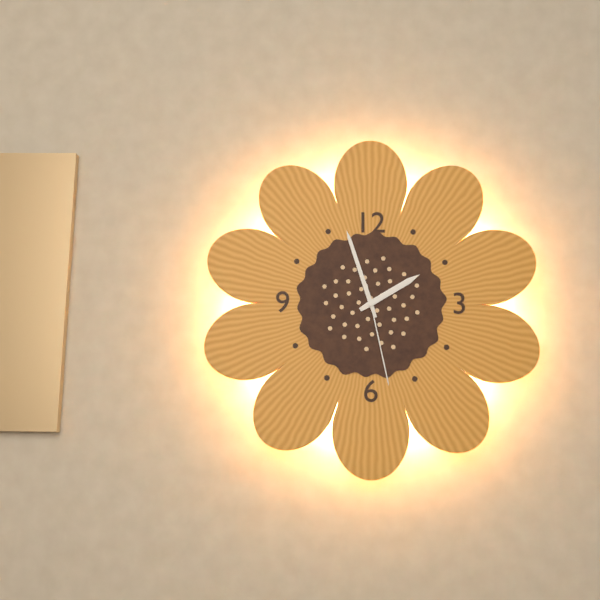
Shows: **1:57:28**
